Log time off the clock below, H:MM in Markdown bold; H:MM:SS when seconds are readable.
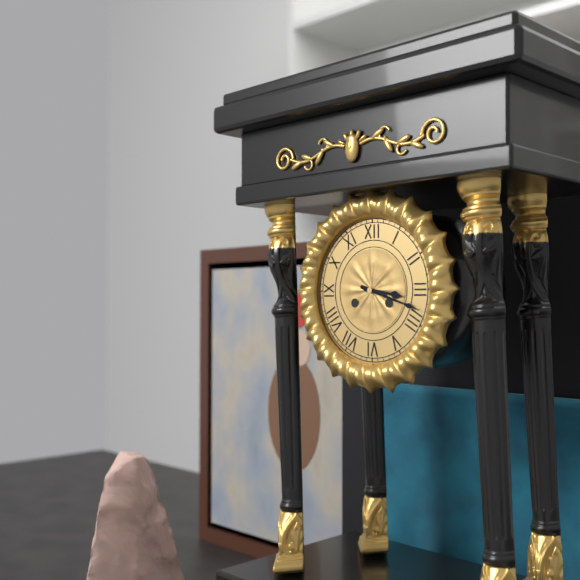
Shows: **3:18**
